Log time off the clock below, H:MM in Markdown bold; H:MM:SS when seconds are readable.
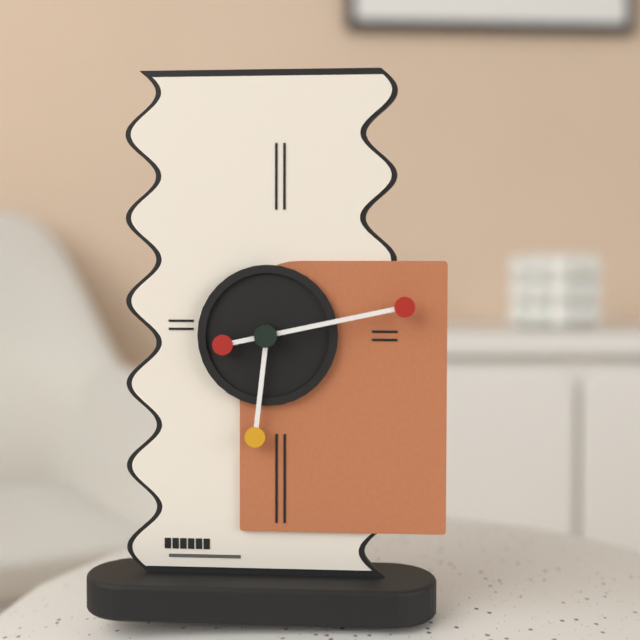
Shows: **6:13**
